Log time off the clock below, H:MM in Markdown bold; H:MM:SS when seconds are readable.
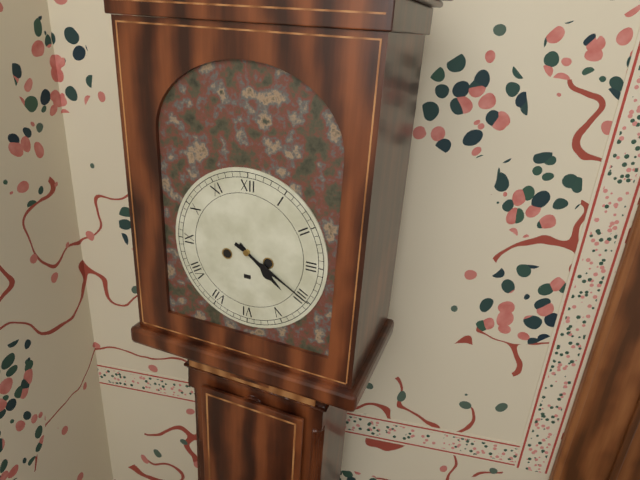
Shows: **4:20**
